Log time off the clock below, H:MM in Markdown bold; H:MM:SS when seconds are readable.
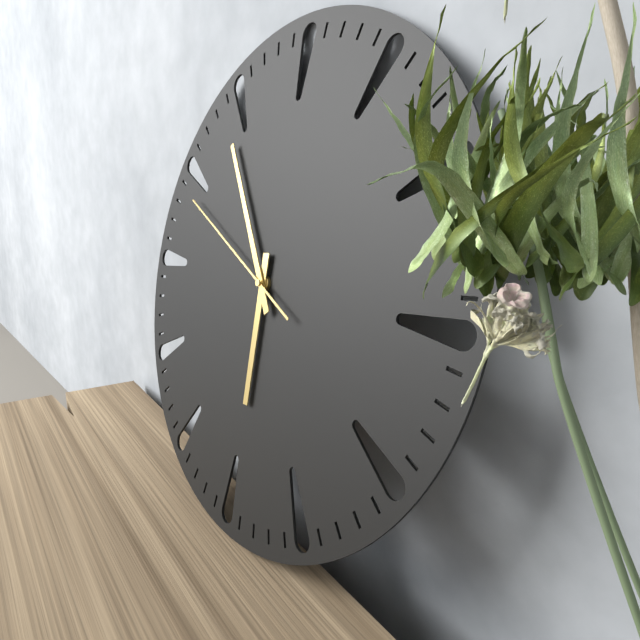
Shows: **5:54:49**
